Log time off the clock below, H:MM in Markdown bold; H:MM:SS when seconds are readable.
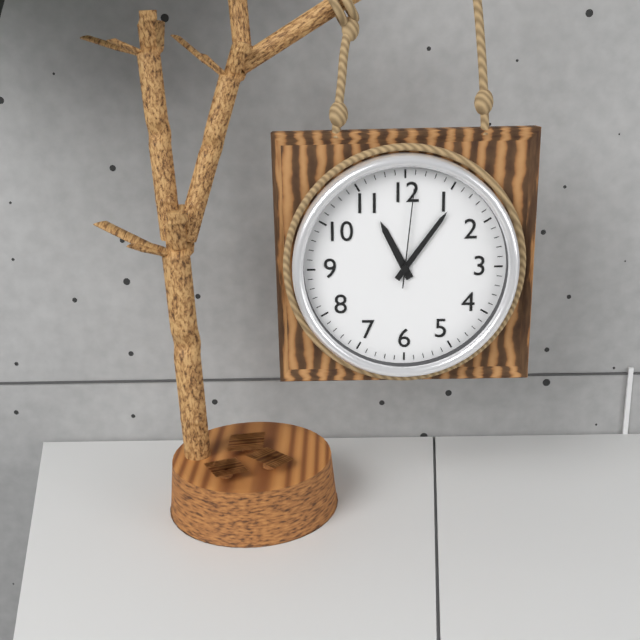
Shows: **11:06:01**
